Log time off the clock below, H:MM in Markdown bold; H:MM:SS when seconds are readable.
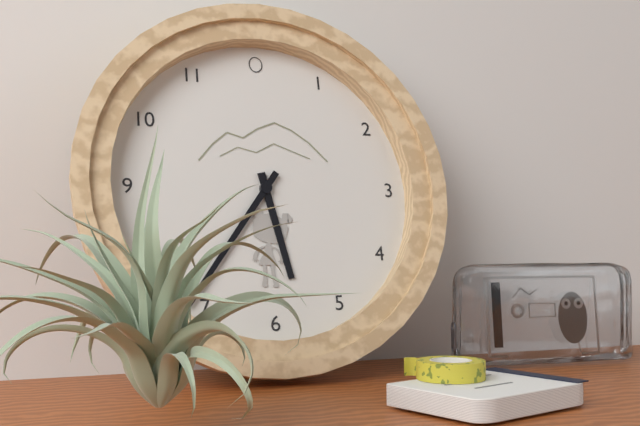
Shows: **5:36**
